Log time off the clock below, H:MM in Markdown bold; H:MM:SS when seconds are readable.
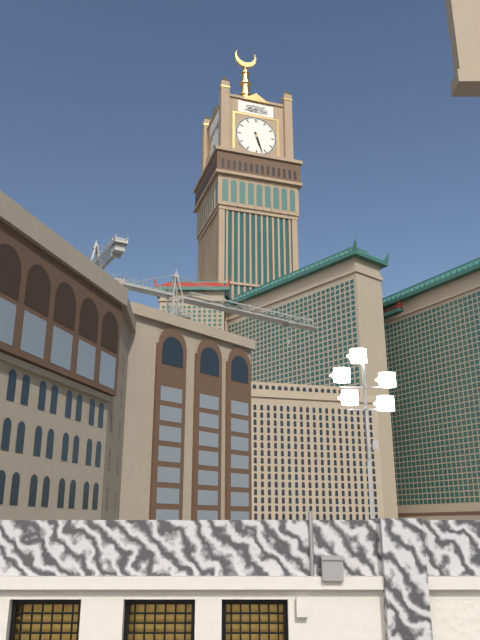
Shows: **5:27**
